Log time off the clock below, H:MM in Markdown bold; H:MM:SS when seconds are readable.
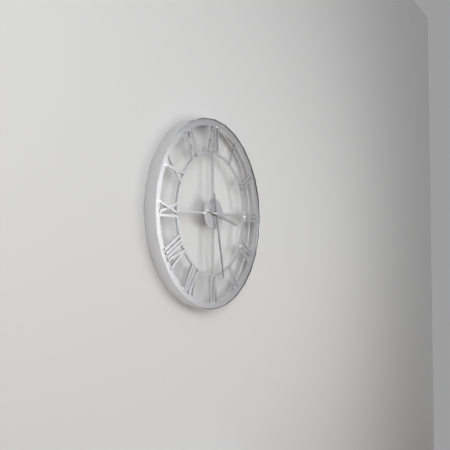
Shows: **3:28**
